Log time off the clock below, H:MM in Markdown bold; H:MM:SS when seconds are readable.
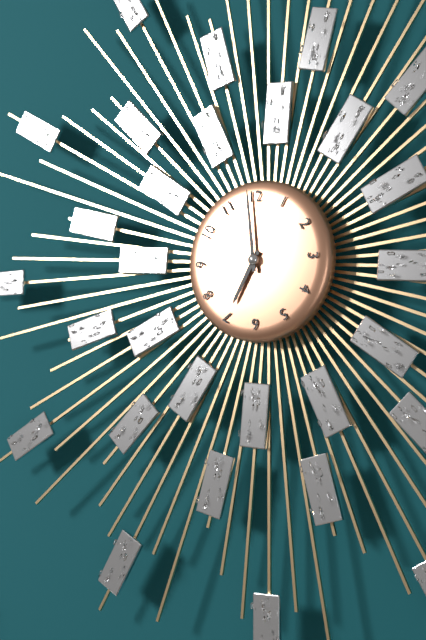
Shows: **6:59**
